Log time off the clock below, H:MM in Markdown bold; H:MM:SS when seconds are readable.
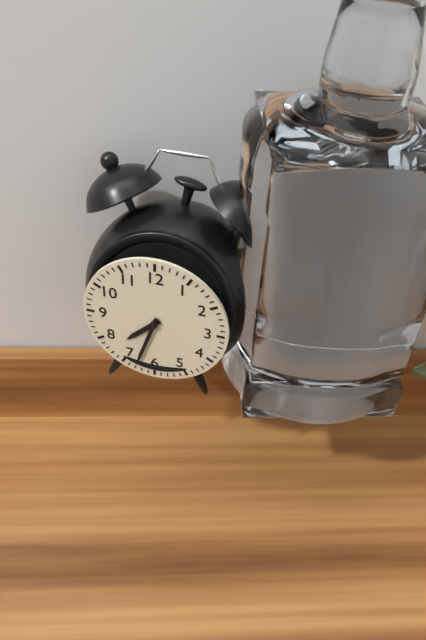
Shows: **7:33**
